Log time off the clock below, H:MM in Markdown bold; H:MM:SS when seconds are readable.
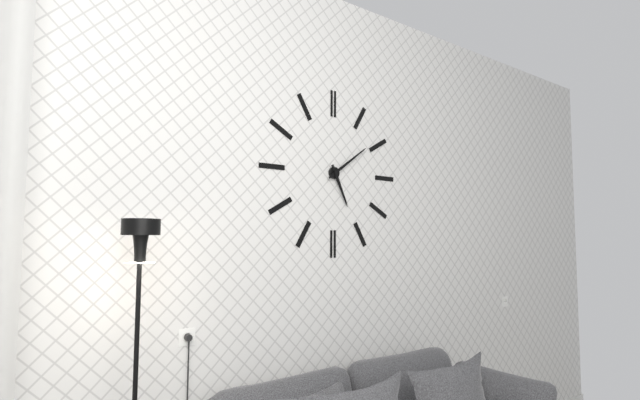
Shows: **5:09**
